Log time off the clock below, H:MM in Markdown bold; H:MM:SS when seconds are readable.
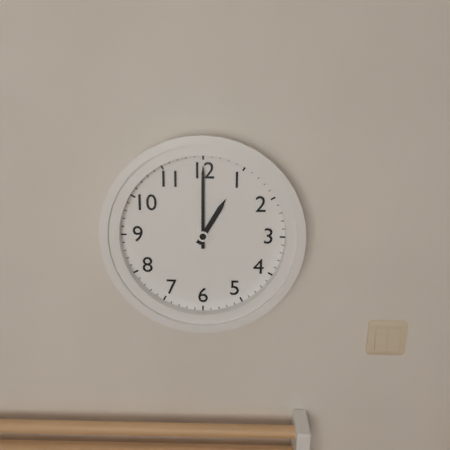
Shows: **1:00**
